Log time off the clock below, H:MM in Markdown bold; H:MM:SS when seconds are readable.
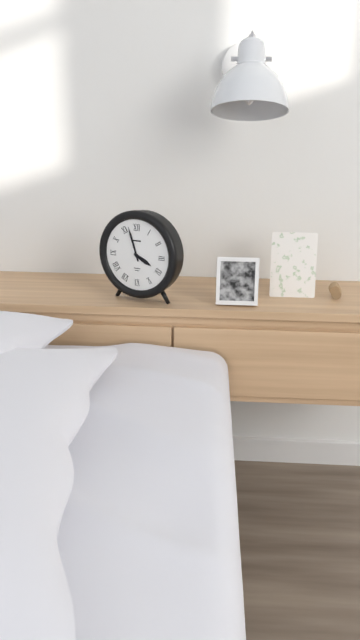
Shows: **3:57**
